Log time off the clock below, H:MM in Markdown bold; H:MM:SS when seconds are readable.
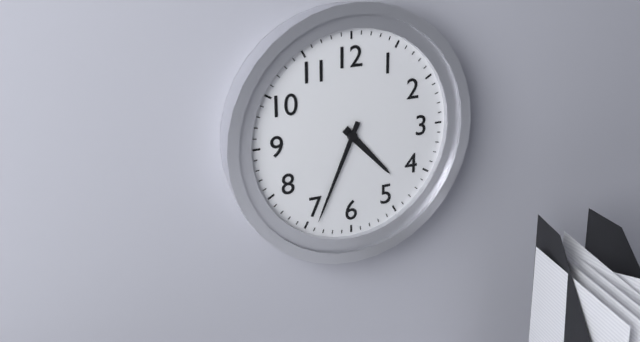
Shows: **4:34**
